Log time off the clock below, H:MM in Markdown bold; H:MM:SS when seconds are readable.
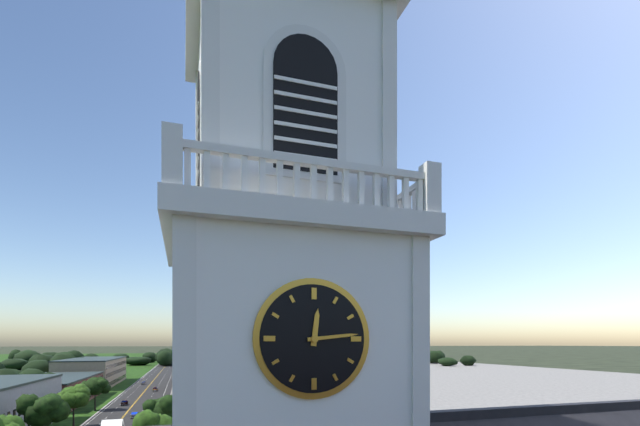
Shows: **12:14**
